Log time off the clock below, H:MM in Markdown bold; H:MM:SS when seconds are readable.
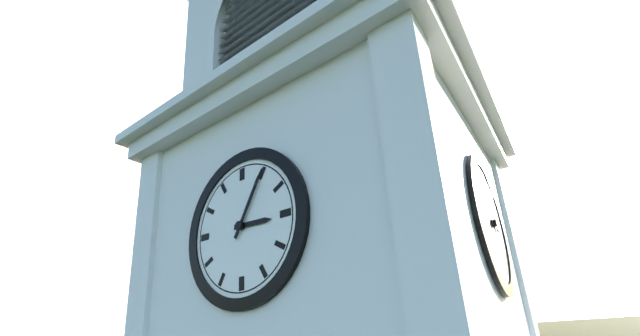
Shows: **3:05**
